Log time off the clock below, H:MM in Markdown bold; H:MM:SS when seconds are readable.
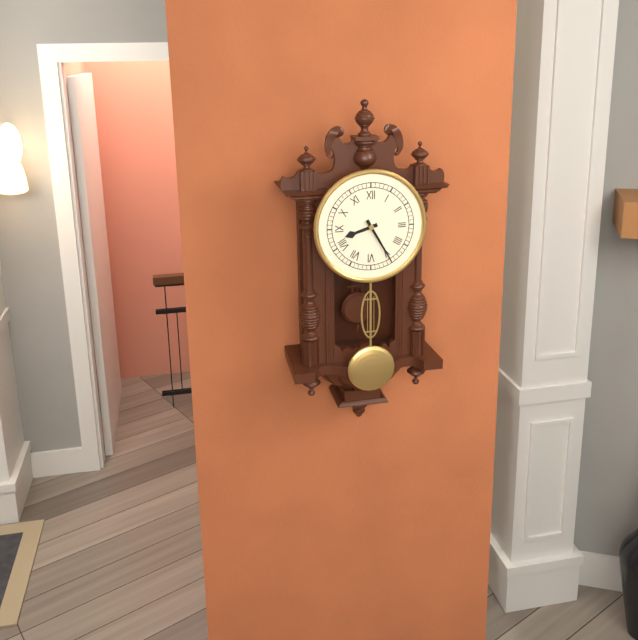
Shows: **8:25**
